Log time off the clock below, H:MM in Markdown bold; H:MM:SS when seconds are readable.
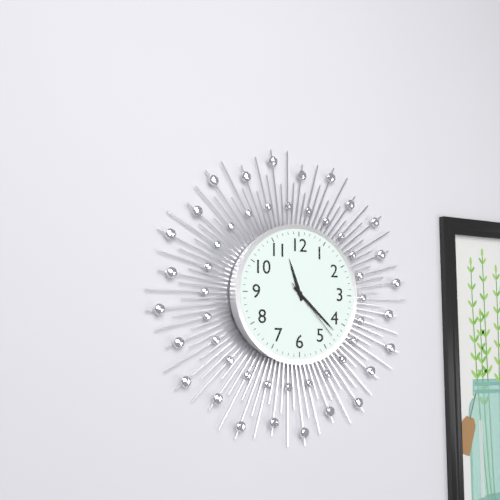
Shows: **11:22:23**
